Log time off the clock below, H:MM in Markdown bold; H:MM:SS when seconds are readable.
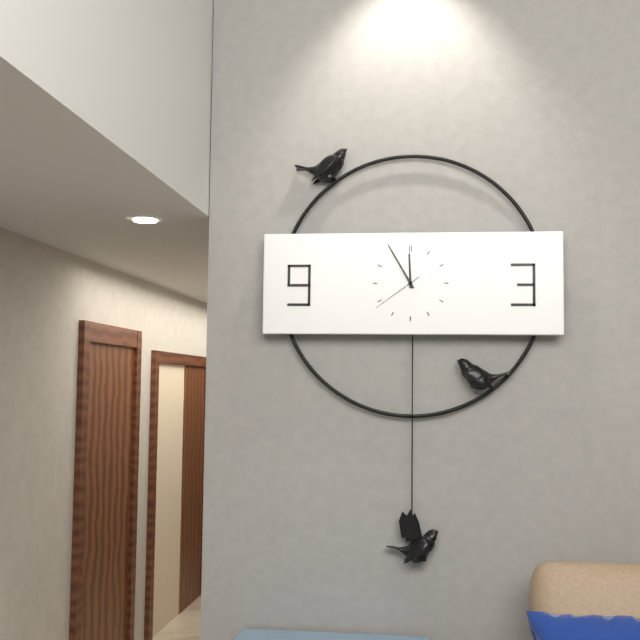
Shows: **11:55:39**
